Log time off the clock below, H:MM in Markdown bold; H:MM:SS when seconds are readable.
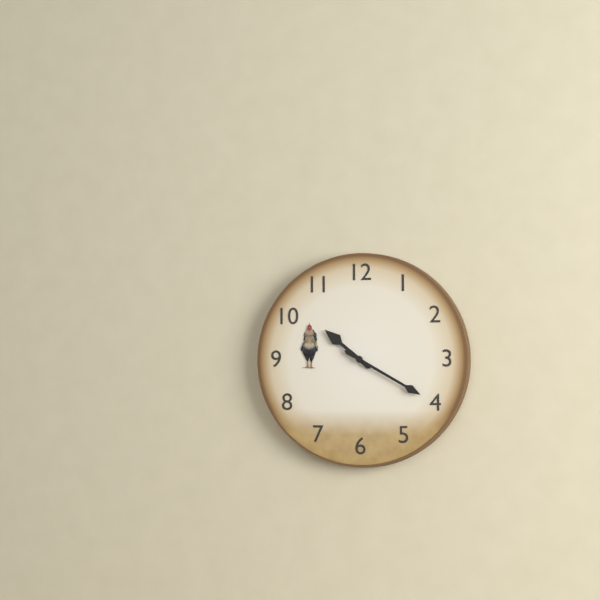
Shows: **10:20**
